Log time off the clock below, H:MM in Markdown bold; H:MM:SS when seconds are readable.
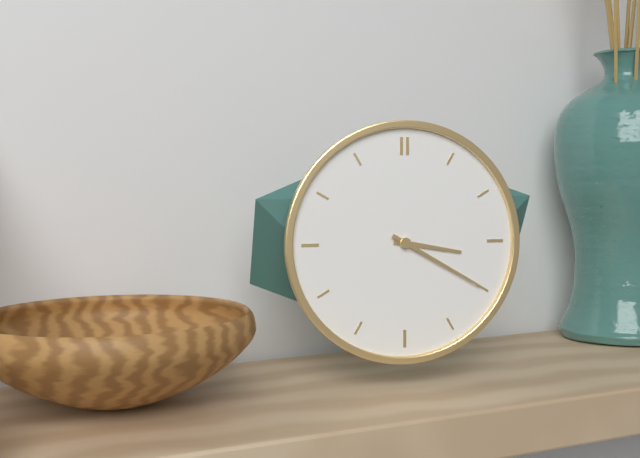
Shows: **3:20**
